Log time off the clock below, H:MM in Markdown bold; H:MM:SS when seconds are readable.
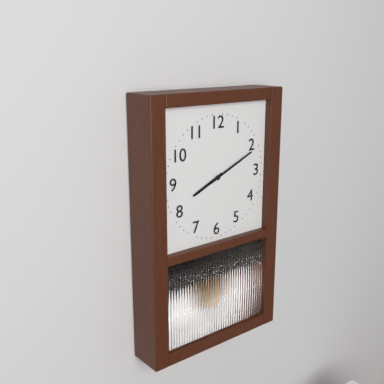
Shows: **8:11**
